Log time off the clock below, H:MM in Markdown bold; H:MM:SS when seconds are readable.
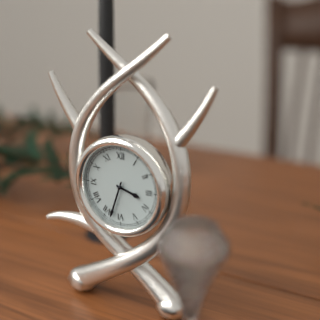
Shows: **3:33**
